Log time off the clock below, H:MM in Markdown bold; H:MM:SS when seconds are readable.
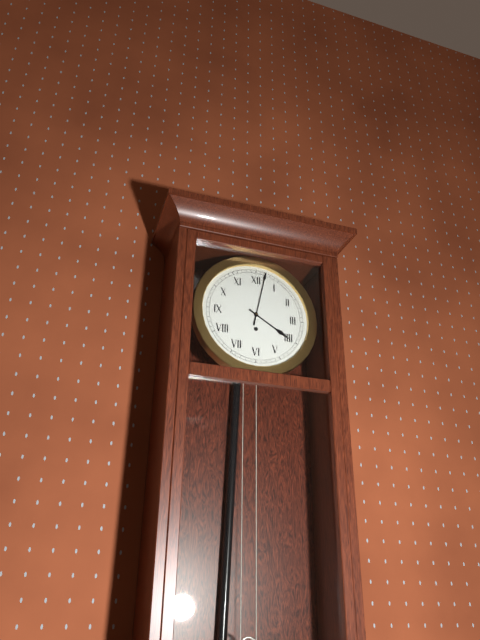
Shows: **4:02**
